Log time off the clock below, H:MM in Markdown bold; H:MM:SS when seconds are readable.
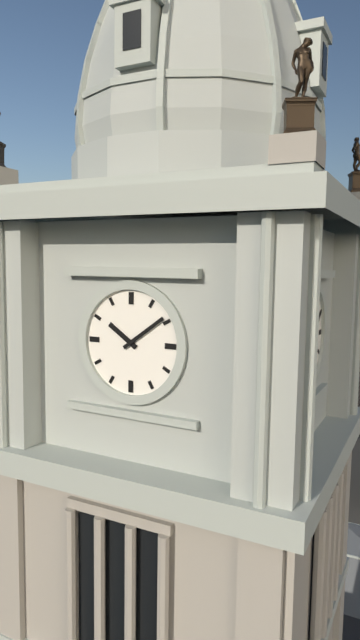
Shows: **10:09**
